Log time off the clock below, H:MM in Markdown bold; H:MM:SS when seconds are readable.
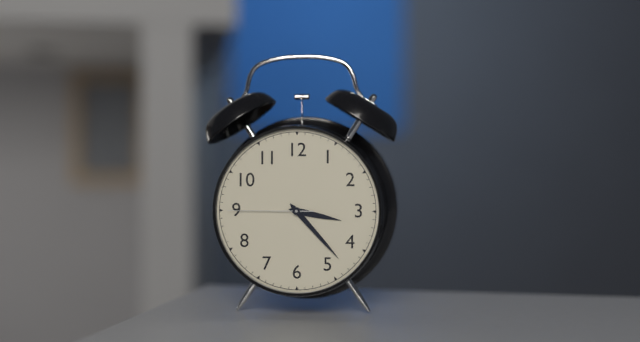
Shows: **3:23:45**
